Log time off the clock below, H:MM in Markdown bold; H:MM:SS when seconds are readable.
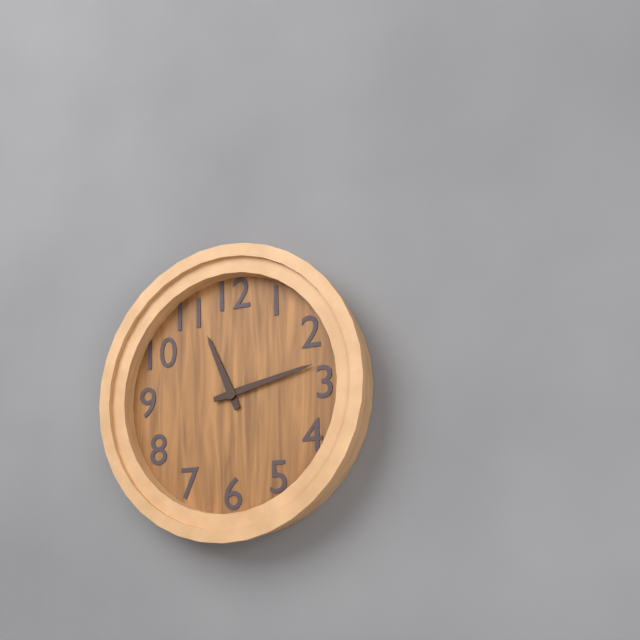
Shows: **11:13**
